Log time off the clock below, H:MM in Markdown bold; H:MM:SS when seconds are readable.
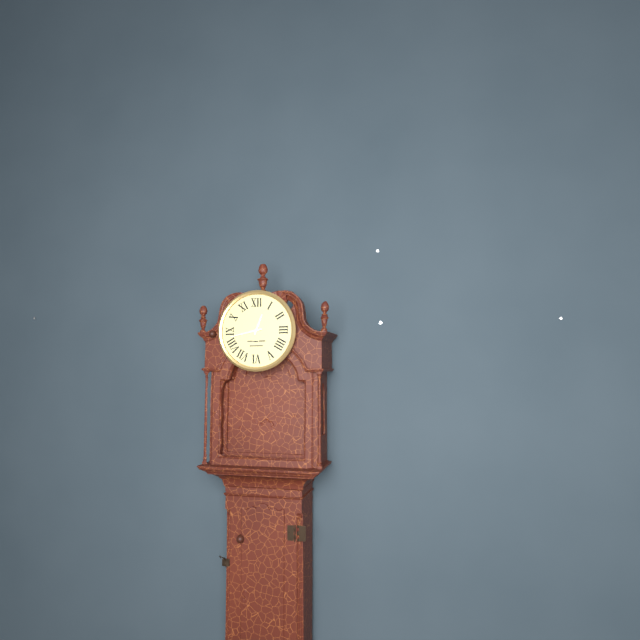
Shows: **12:43**
